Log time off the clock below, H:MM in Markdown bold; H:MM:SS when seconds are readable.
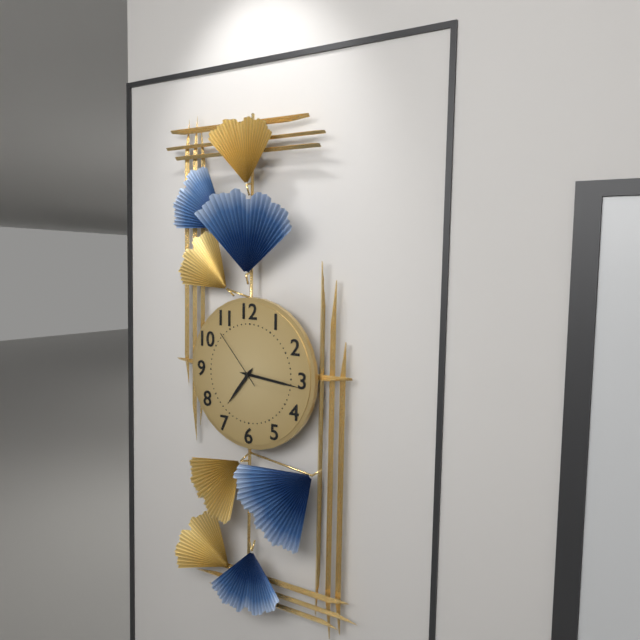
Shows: **7:16:53**
